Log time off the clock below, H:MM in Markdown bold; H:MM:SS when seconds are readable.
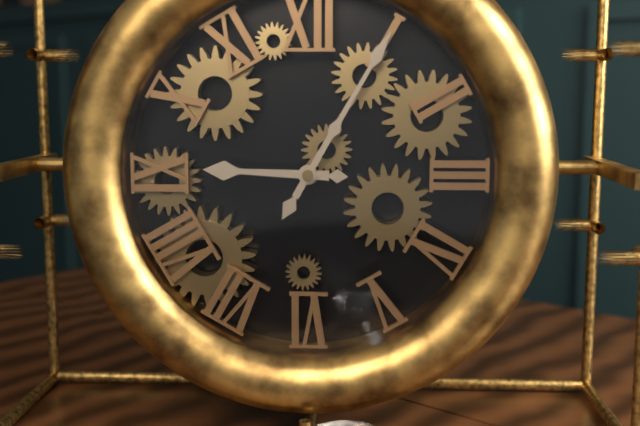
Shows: **9:05**
